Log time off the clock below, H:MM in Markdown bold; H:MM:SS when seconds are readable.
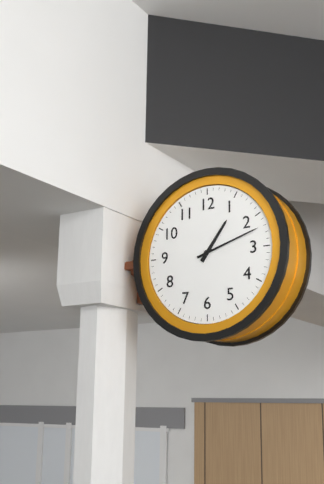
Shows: **1:12**
